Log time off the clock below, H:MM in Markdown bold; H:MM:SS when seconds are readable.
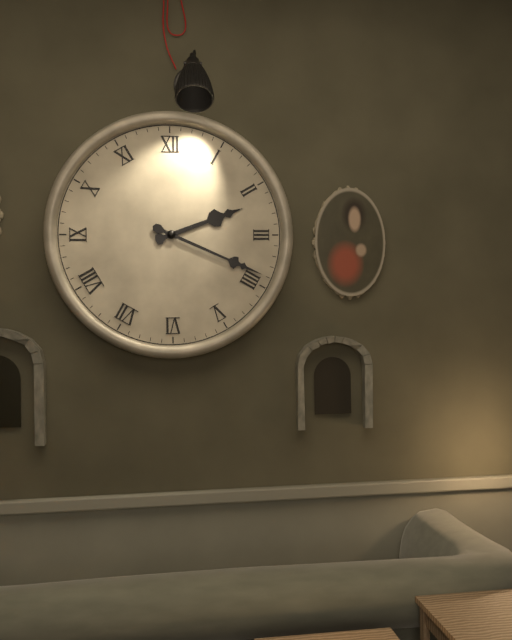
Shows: **2:19**
